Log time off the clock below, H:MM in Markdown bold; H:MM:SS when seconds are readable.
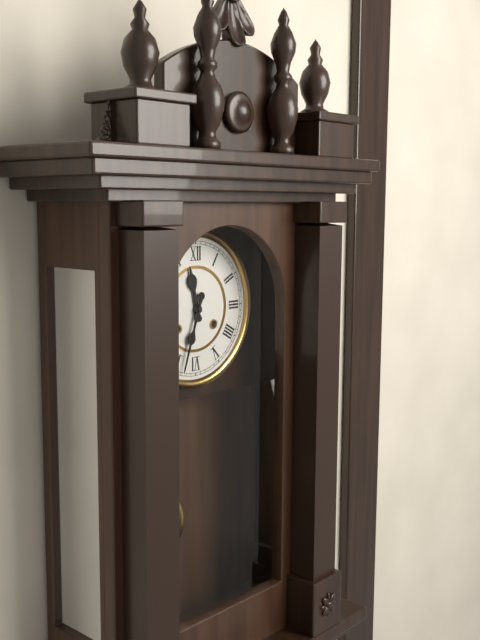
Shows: **11:33**
